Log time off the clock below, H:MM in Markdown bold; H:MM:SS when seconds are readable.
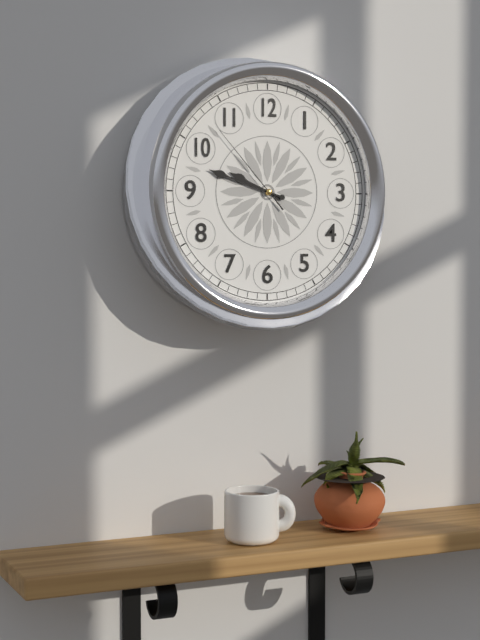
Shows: **9:48:53**
